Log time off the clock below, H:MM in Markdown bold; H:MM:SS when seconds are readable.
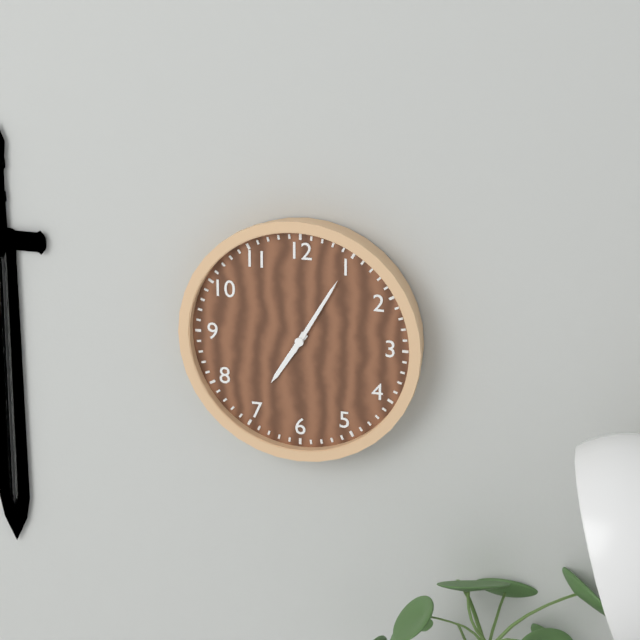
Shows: **7:05**
